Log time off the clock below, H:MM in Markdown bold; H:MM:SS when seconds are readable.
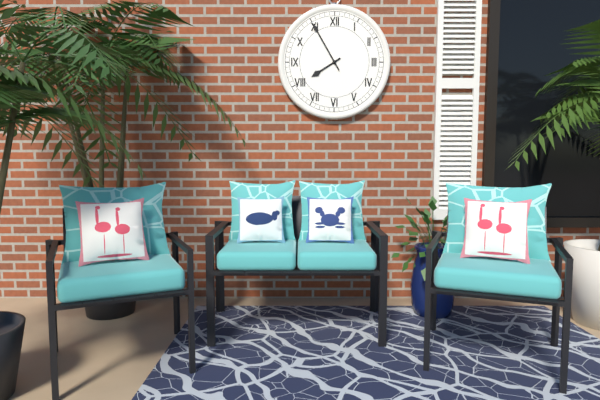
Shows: **7:55**
